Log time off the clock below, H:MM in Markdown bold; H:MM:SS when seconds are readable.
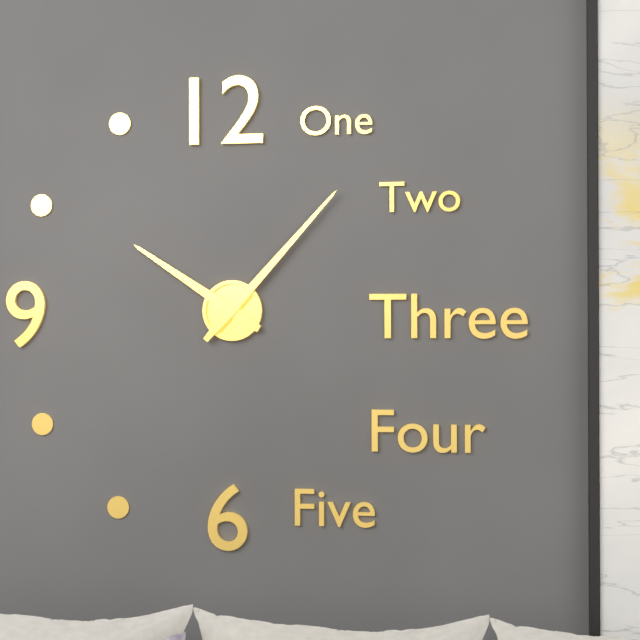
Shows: **10:07**
